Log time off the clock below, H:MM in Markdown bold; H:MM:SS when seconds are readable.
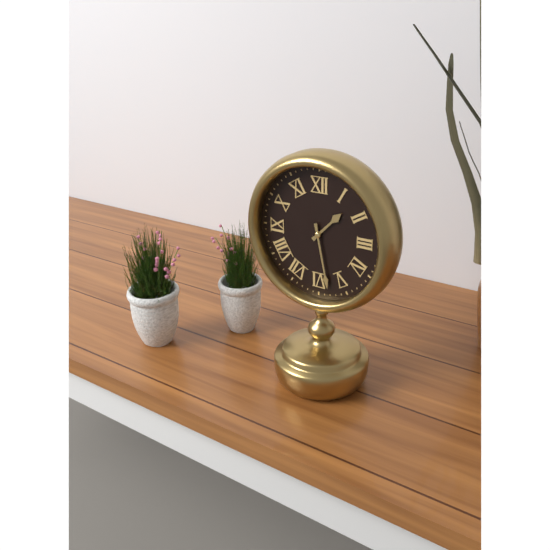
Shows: **1:28**
